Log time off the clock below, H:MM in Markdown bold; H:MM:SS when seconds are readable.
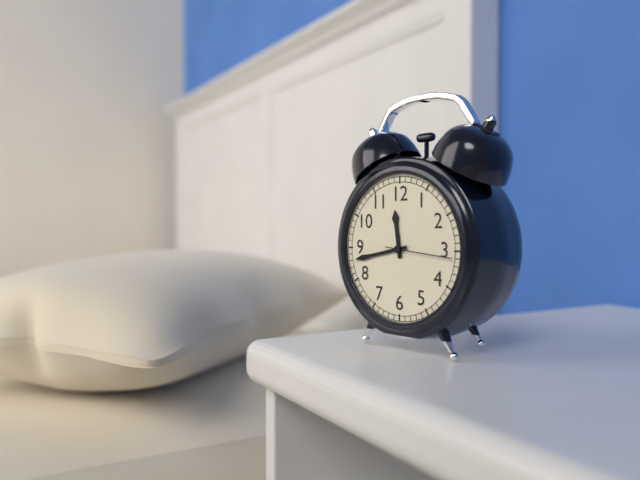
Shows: **11:43:16**
